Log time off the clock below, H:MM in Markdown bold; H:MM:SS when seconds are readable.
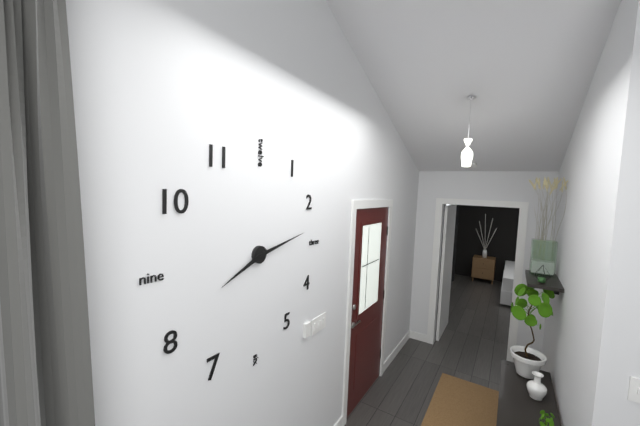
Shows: **8:13**
